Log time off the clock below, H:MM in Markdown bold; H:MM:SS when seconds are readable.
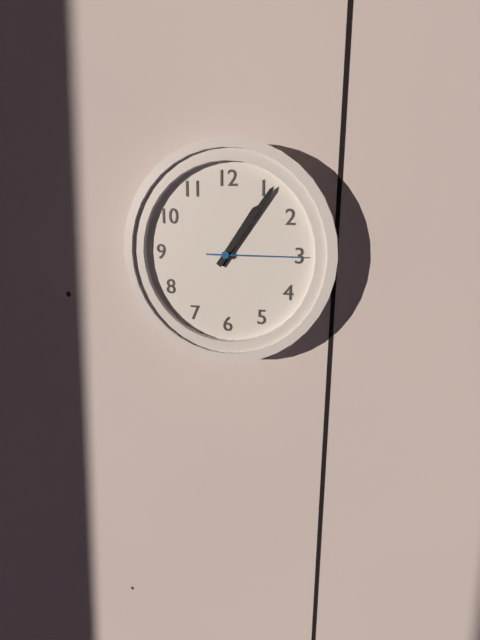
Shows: **1:06:15**
